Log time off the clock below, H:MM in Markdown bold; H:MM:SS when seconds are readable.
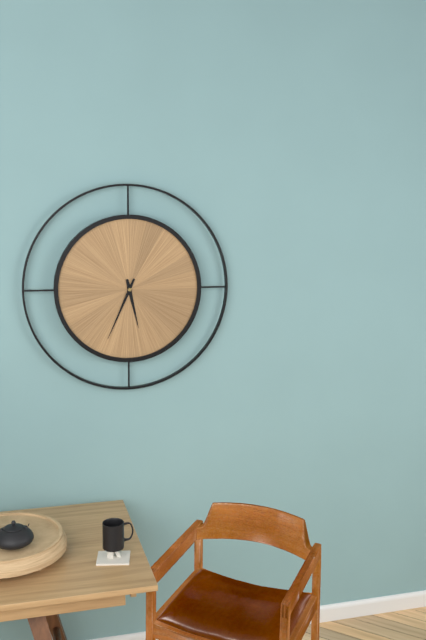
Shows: **5:34**
